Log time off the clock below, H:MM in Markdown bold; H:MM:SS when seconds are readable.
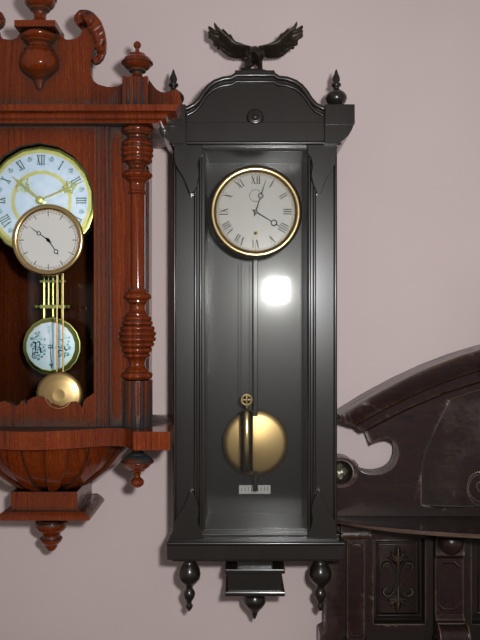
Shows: **4:03**
